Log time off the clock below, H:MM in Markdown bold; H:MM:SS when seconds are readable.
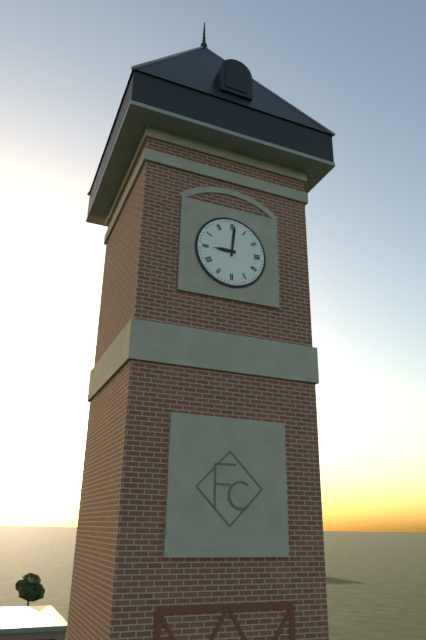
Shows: **9:01**
